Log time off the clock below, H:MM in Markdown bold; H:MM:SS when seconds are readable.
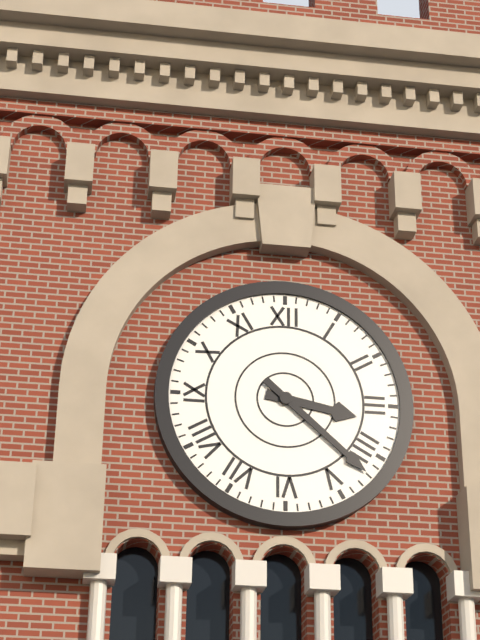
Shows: **3:22**
